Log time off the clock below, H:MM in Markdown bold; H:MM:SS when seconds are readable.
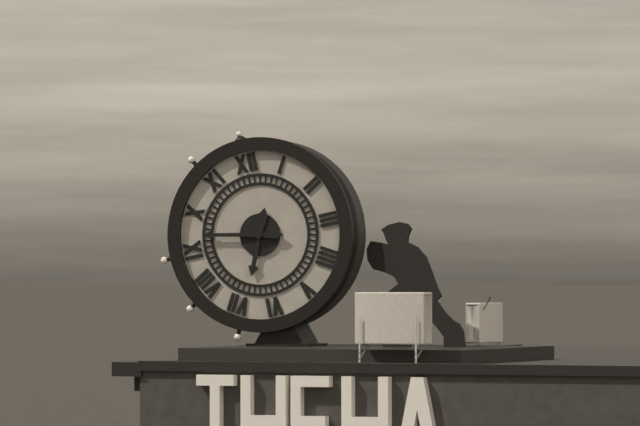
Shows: **6:47**
